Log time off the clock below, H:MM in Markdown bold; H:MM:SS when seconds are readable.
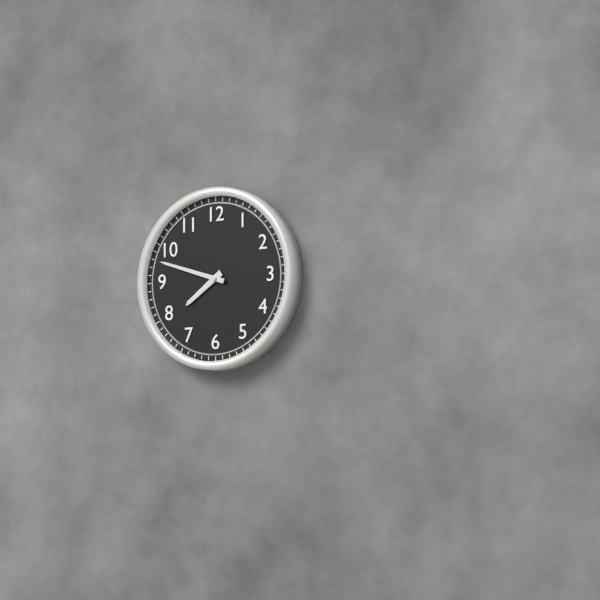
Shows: **7:48**
